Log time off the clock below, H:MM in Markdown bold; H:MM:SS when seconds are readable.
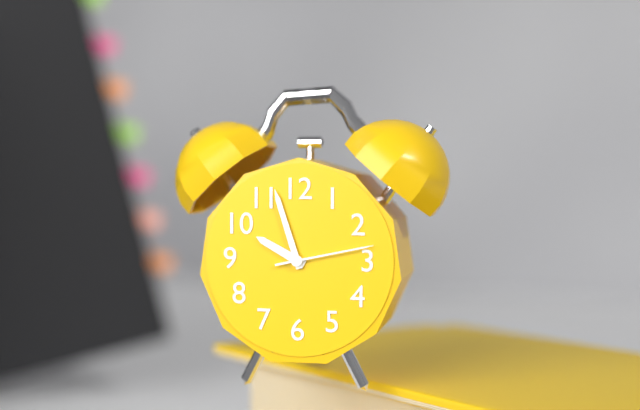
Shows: **9:57:13**
